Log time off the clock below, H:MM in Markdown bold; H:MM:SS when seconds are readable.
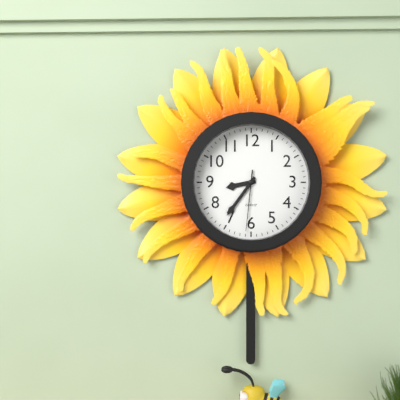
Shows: **8:36:31**
